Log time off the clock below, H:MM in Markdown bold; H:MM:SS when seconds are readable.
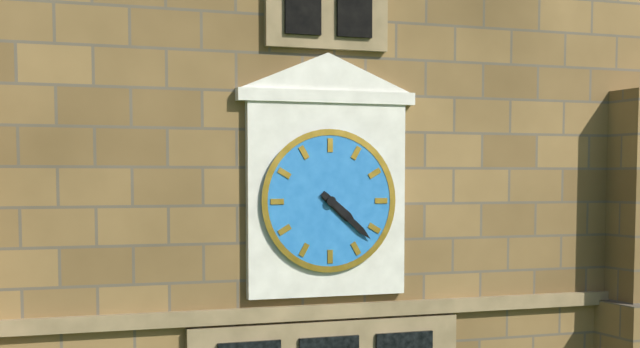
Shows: **4:22**
